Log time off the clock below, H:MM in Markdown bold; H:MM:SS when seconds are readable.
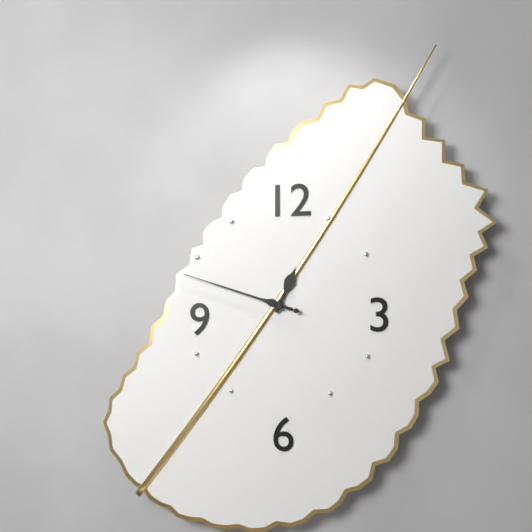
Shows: **12:48:48**
